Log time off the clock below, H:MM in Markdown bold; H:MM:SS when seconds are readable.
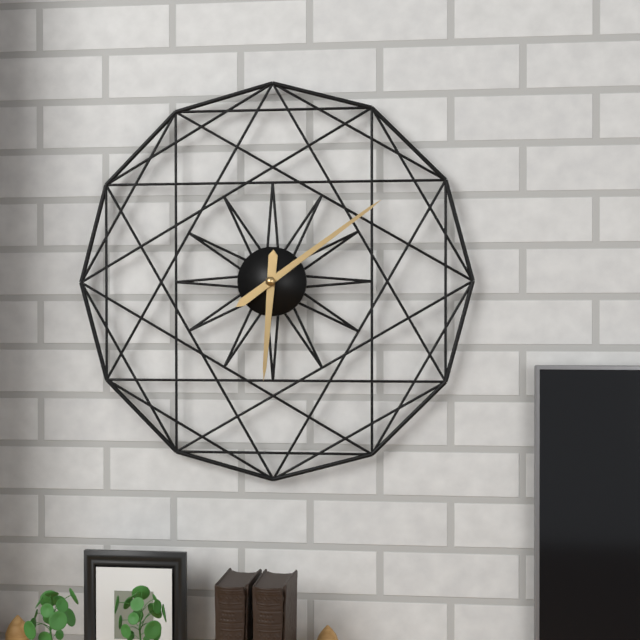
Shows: **6:09**
